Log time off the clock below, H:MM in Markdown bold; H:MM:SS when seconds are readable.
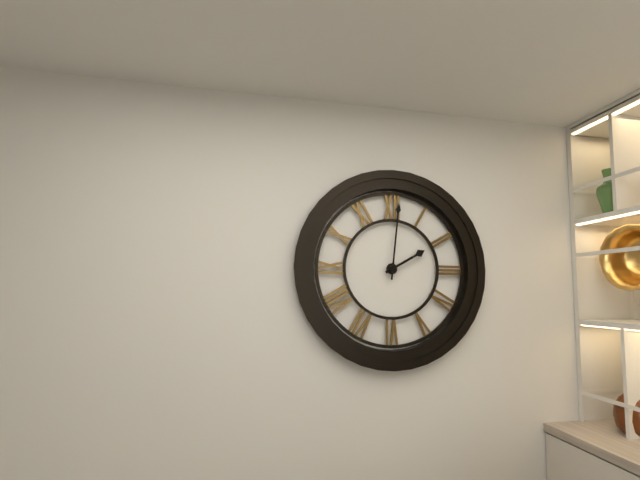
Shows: **2:01**
